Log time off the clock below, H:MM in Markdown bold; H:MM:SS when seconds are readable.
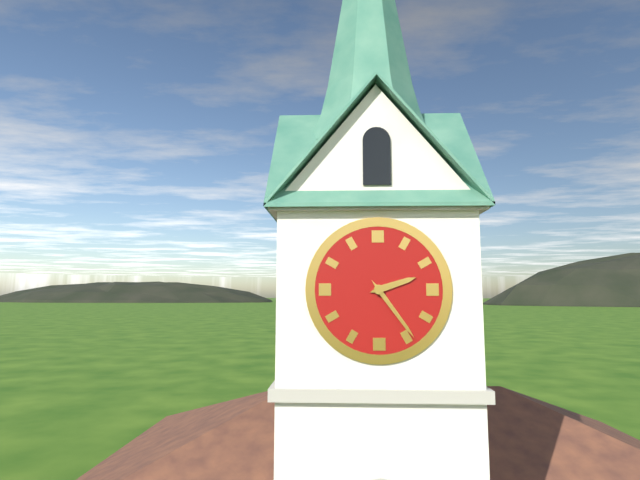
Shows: **2:24**
